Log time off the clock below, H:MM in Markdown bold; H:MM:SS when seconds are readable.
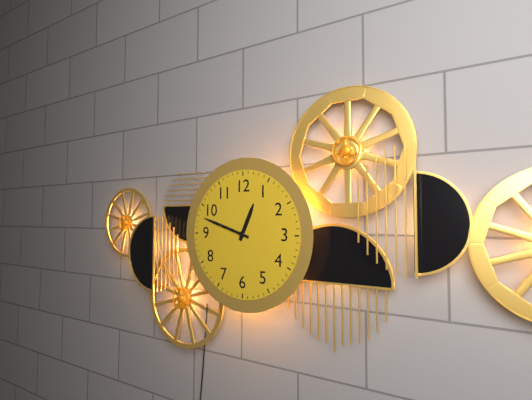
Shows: **12:48**
